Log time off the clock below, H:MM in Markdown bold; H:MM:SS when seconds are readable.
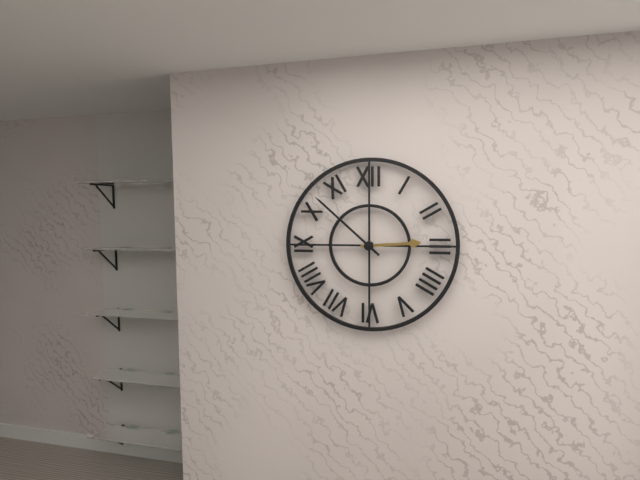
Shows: **2:52**
